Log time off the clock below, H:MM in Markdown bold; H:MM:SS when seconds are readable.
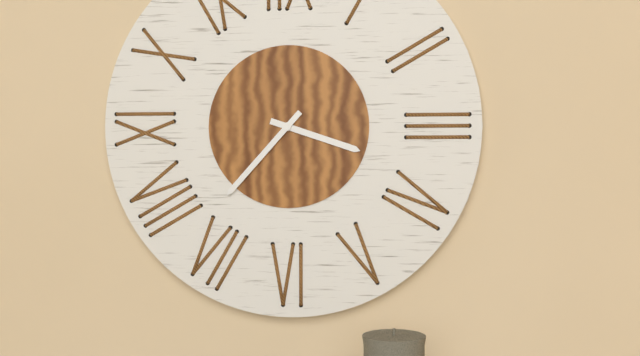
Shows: **3:37**
